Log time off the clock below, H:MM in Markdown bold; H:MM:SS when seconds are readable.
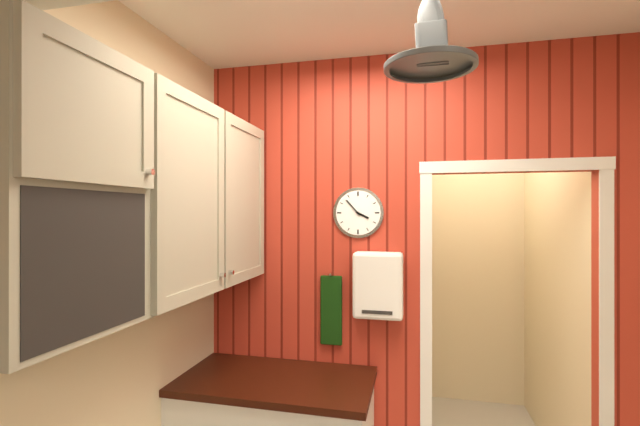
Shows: **3:53**
